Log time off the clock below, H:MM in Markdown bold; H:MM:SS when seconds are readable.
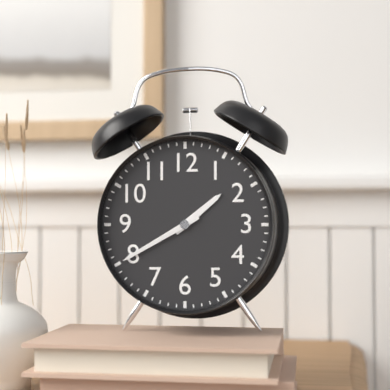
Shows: **1:40**
